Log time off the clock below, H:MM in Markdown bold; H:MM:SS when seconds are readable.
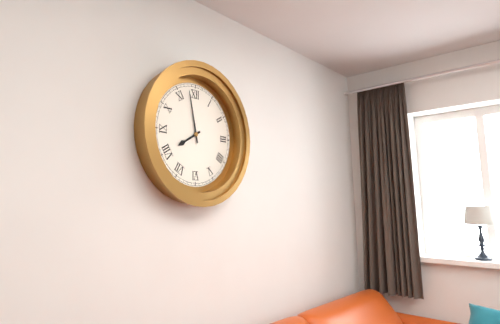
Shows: **7:58**
